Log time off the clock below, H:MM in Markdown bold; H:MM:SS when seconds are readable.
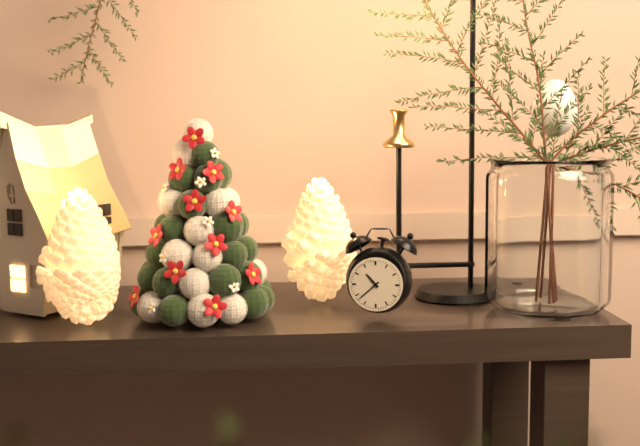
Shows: **10:38**
